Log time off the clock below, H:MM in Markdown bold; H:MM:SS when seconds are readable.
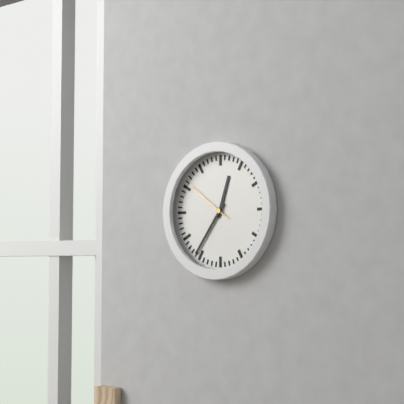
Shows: **12:36**
